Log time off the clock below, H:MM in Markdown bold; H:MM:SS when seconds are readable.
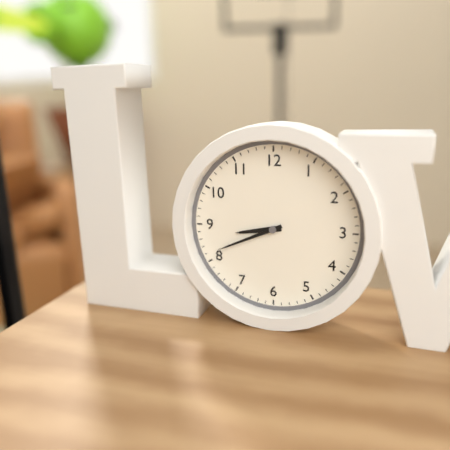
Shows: **8:41**
